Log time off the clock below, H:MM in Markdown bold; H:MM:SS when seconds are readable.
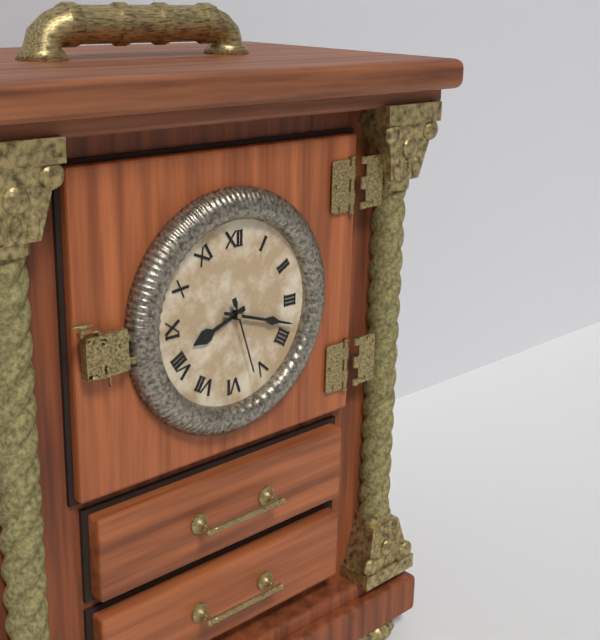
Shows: **8:18:27**
